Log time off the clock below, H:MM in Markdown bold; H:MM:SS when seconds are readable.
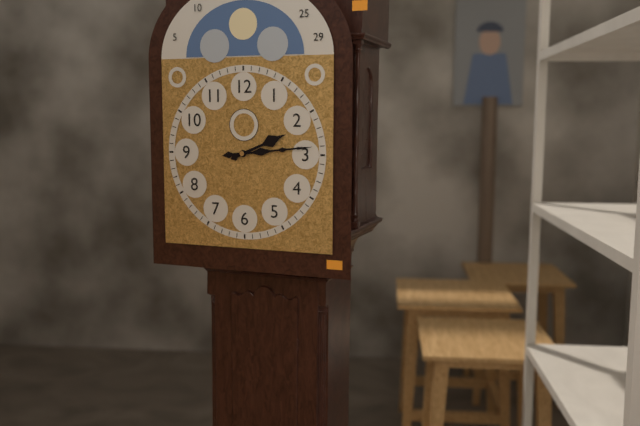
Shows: **2:14**
